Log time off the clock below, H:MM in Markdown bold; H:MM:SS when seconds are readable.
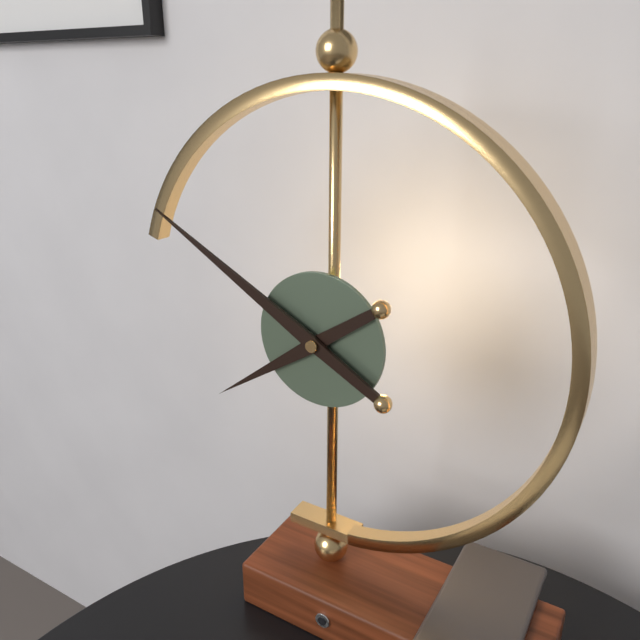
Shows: **7:50**
